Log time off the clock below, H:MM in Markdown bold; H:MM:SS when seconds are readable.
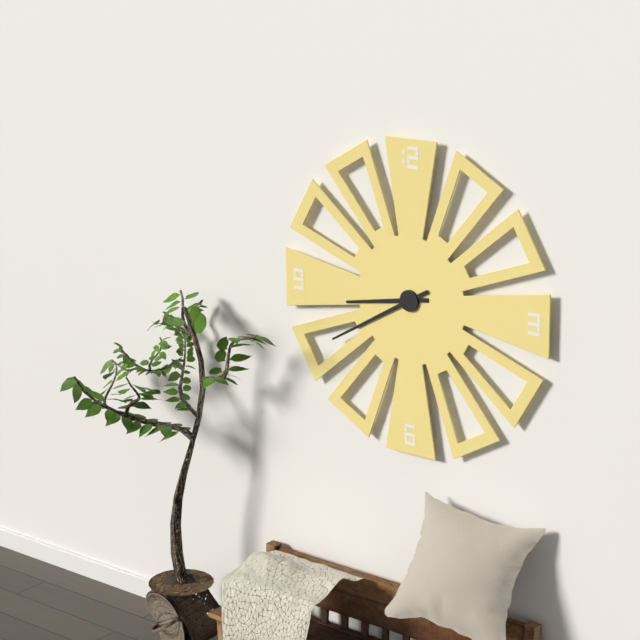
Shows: **8:40**
